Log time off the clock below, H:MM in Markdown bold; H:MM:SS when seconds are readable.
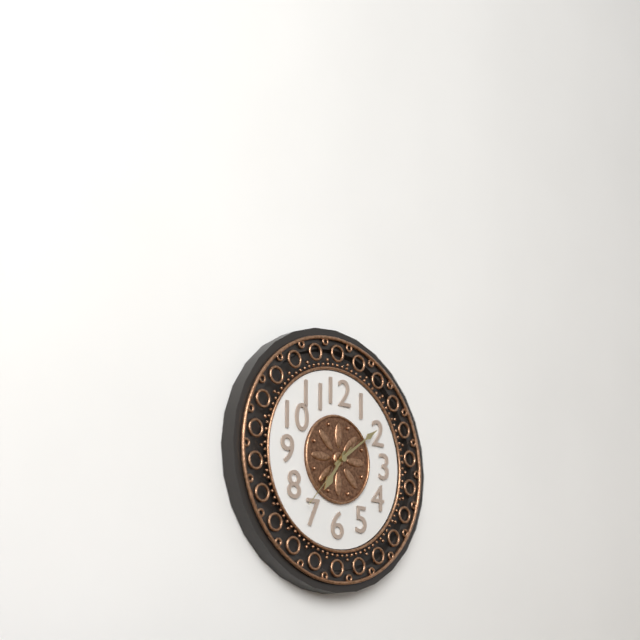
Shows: **7:09:37**
